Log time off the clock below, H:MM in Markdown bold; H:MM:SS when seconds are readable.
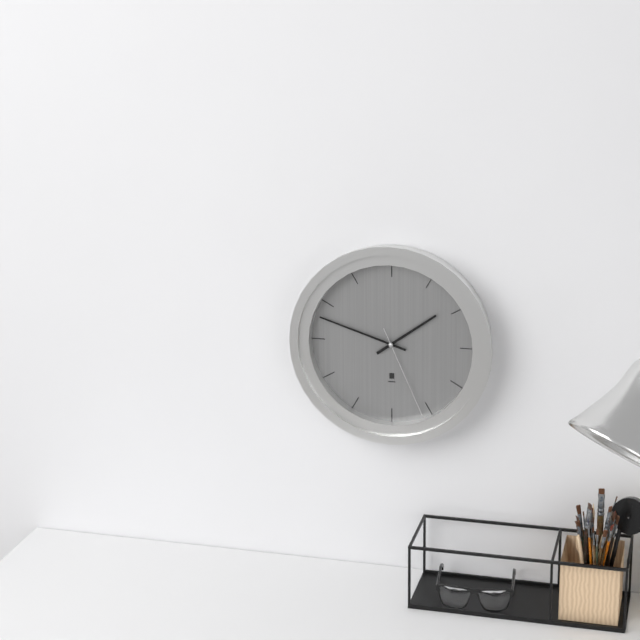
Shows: **1:48:26**
